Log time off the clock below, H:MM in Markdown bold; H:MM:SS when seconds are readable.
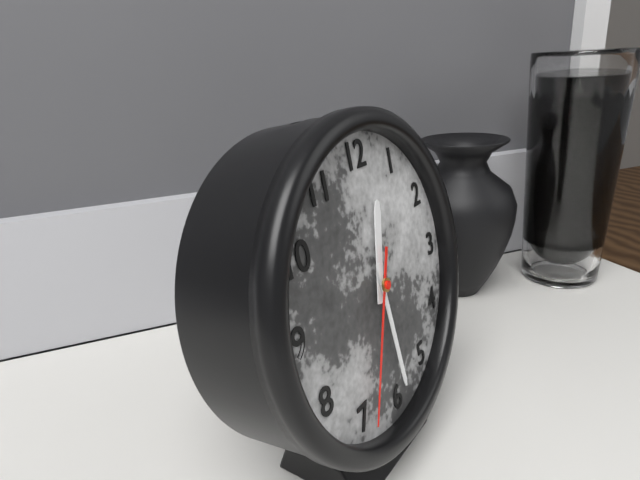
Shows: **12:29:34**
